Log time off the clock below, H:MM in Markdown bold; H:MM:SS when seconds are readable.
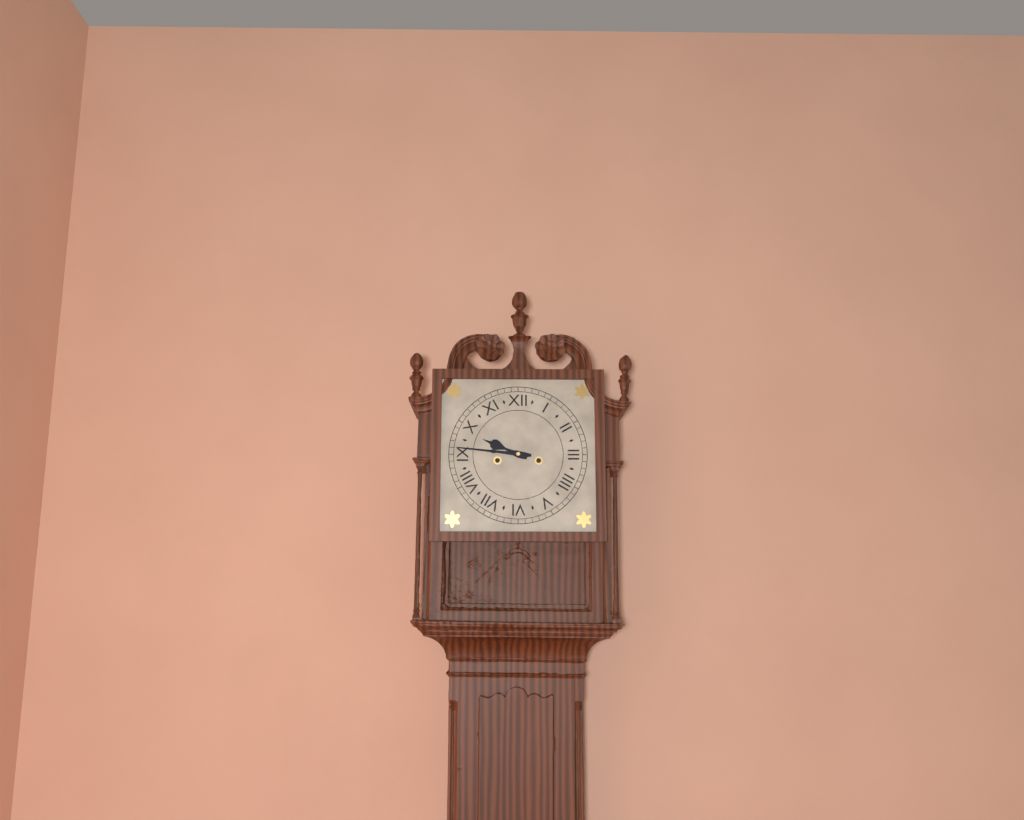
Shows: **9:46**
